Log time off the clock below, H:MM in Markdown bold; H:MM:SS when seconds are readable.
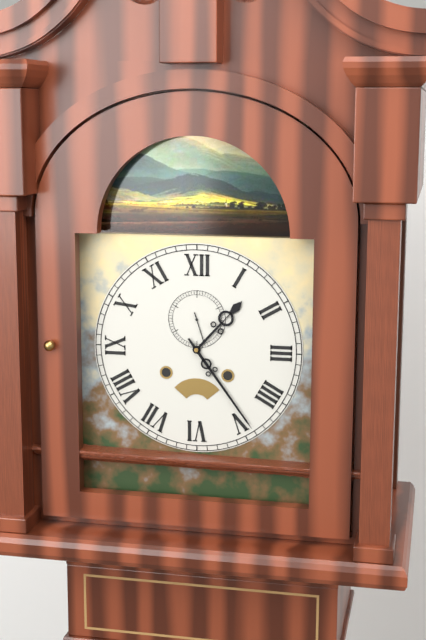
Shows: **1:24**
